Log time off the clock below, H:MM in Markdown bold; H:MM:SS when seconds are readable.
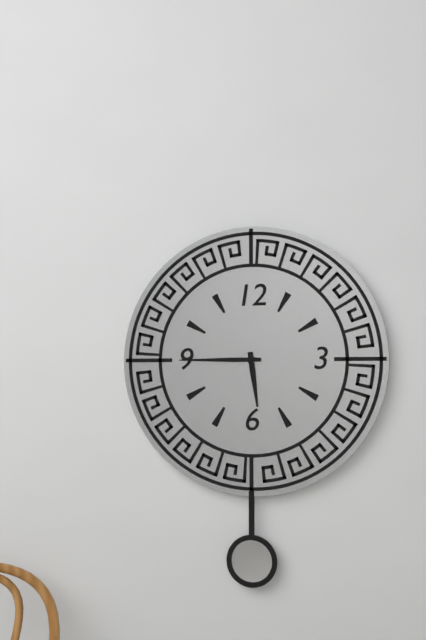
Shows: **5:45**
